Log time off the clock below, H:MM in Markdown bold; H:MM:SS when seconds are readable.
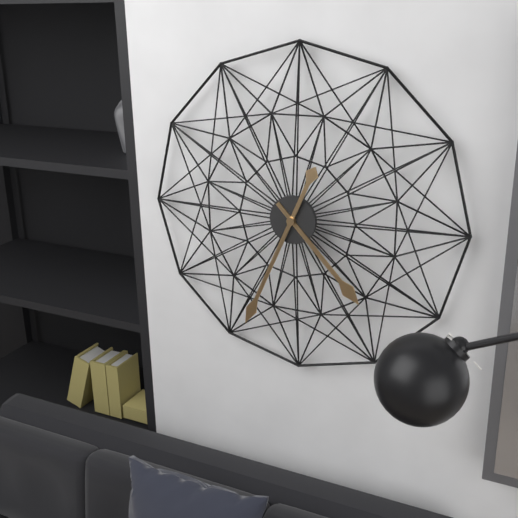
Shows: **4:34**
